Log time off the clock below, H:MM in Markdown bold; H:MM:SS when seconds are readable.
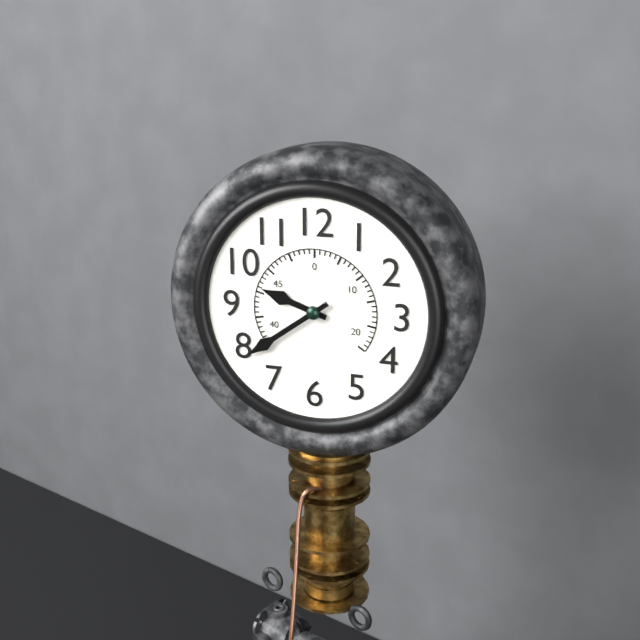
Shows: **9:39**
